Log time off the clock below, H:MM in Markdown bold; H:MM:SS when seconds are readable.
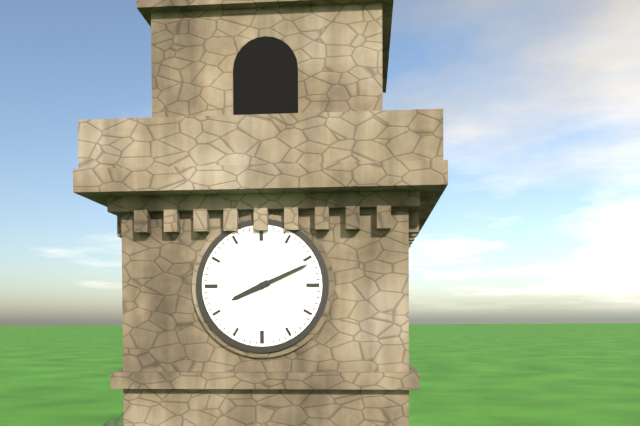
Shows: **8:11**
